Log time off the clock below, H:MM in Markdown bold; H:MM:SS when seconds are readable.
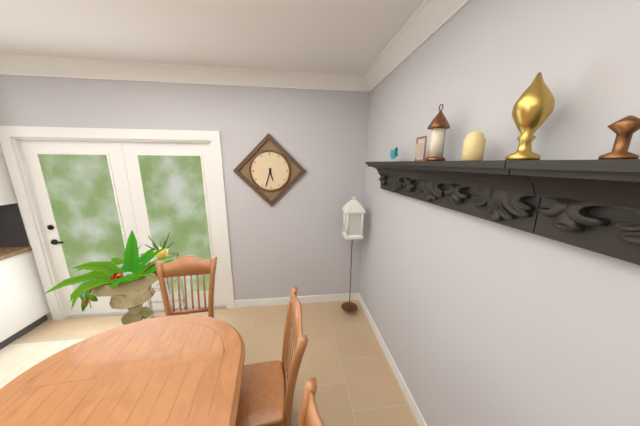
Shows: **5:33**
